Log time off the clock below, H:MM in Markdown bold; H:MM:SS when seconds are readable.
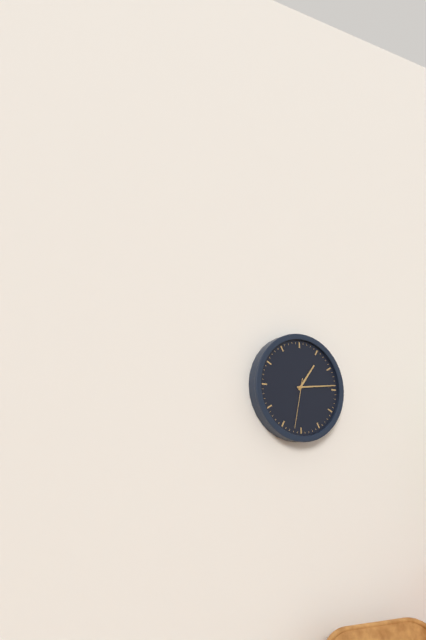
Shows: **1:14:32**
